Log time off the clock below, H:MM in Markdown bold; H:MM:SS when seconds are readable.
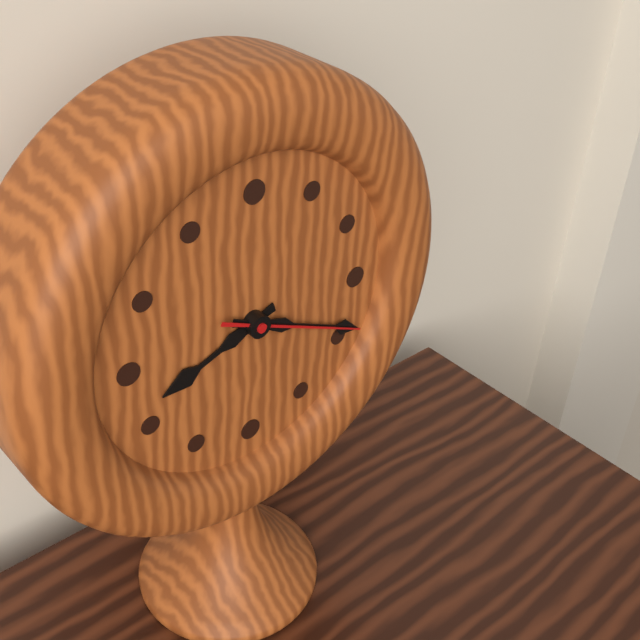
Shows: **8:19:19**
